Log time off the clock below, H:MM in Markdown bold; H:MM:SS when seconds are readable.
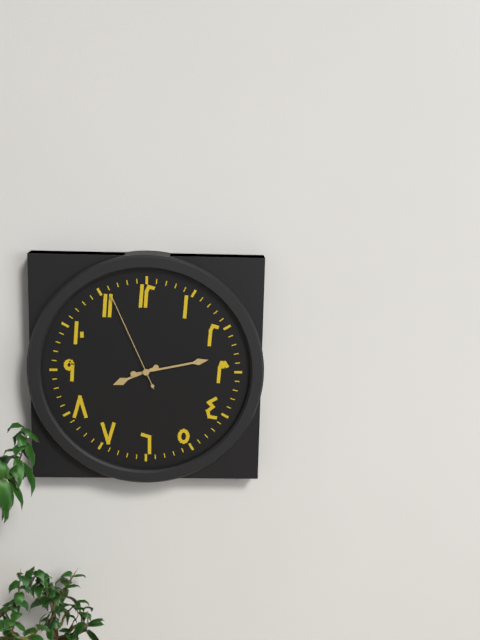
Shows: **8:13:56**
